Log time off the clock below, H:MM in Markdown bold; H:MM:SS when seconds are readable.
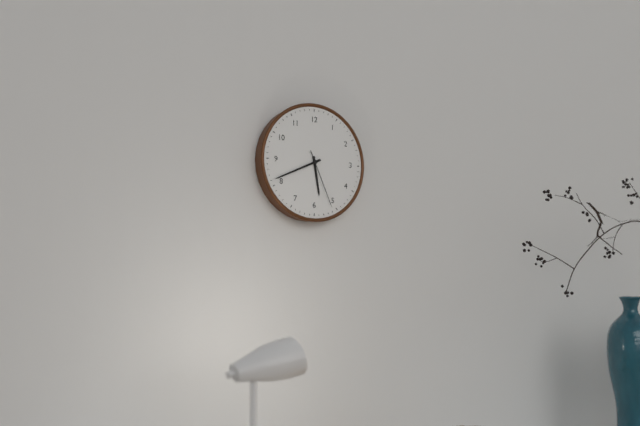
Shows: **5:41:26**
